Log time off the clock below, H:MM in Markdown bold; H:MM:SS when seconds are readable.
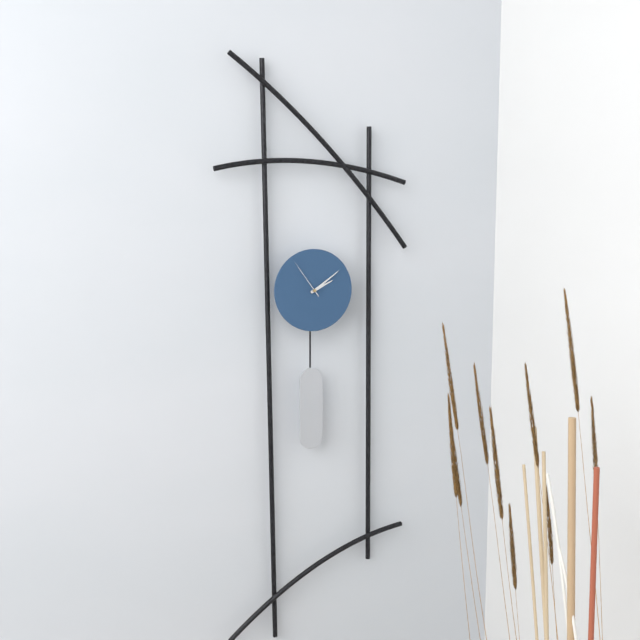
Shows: **2:09**
